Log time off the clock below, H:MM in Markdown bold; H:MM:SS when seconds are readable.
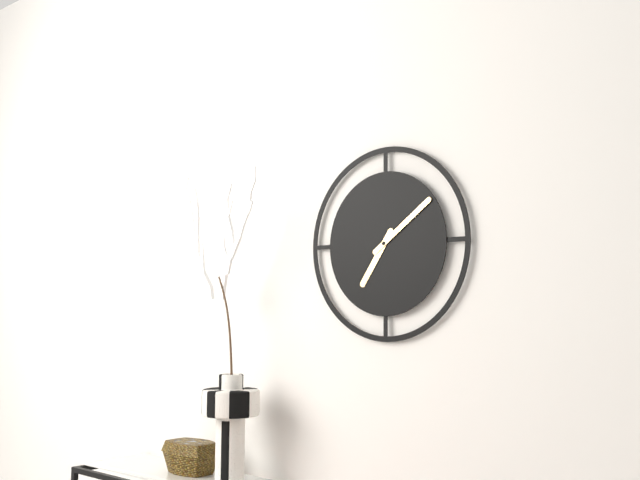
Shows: **7:09**
